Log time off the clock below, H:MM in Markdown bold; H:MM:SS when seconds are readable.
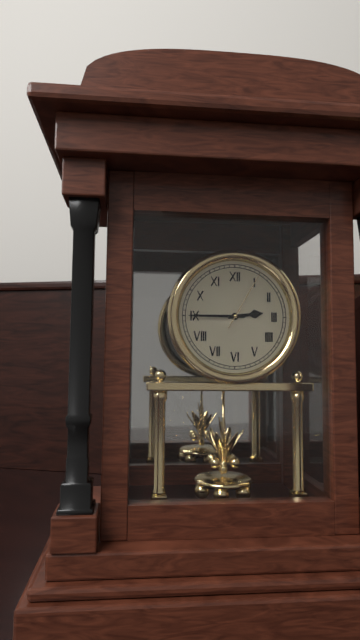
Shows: **2:45:05**
